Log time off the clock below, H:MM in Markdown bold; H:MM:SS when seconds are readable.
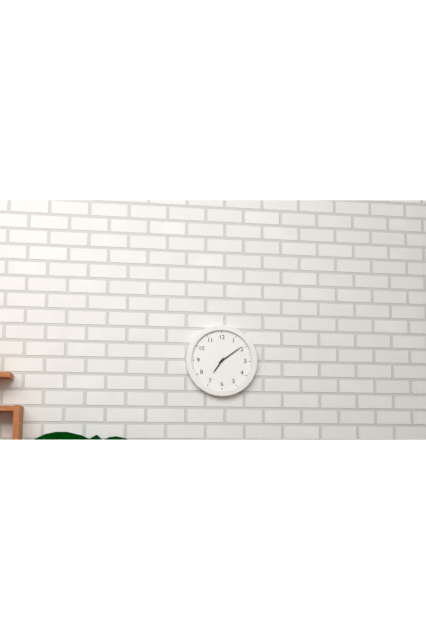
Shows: **7:09**
